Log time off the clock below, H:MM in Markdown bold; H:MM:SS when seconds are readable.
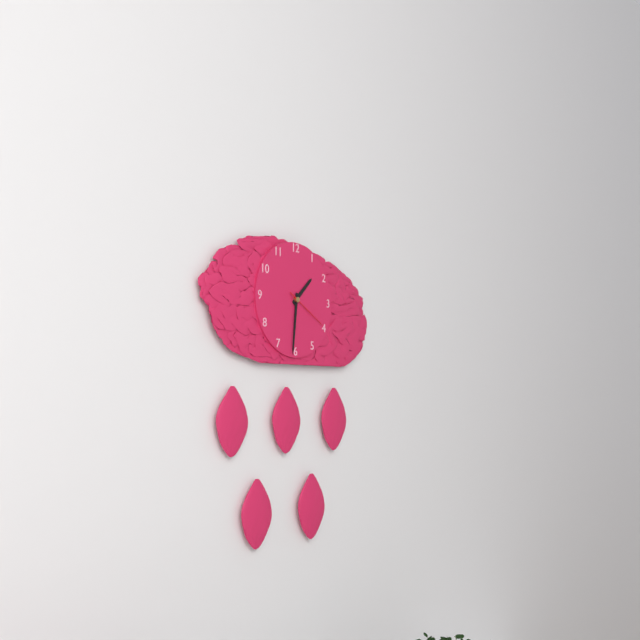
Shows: **1:31**
